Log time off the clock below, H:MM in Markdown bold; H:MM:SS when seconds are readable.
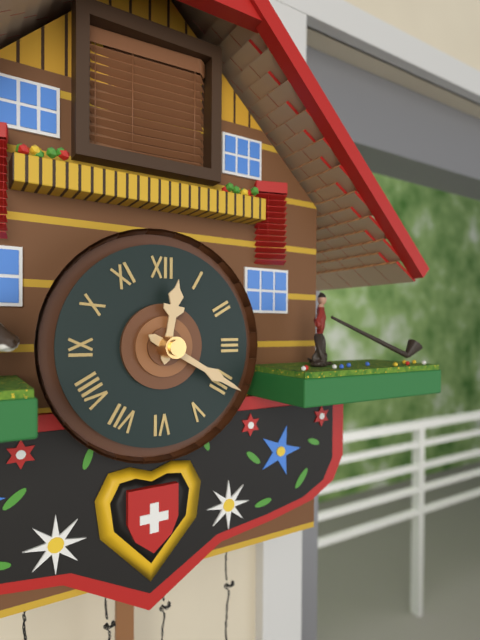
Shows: **12:20**
